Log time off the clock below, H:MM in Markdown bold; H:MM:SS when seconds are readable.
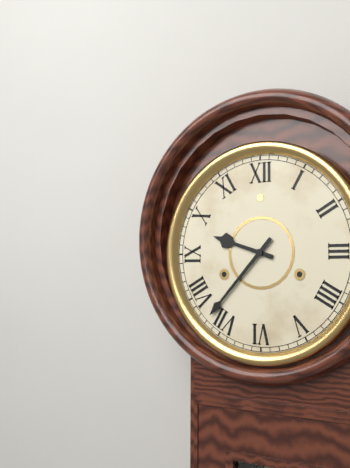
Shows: **9:37**
